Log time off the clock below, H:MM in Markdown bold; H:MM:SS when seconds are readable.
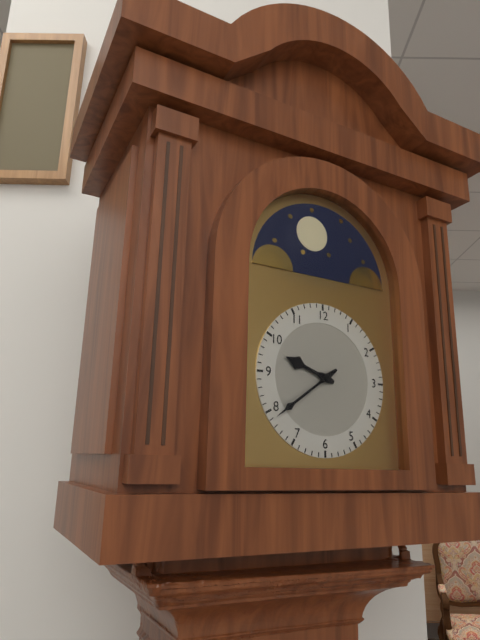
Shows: **9:39**
